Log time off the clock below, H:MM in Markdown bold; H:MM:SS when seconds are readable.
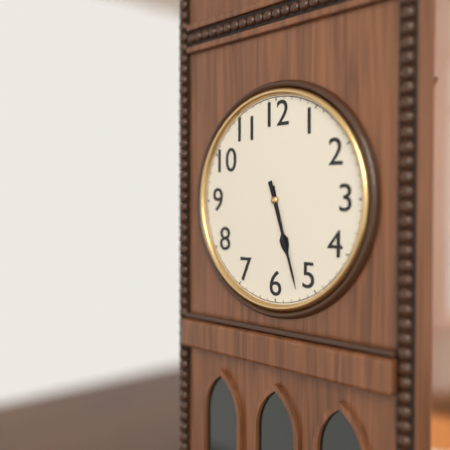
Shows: **5:27**
